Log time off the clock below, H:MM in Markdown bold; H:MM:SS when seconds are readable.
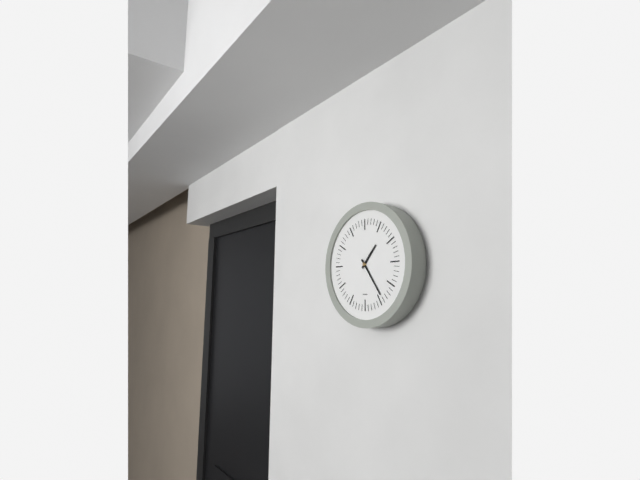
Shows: **1:24**
